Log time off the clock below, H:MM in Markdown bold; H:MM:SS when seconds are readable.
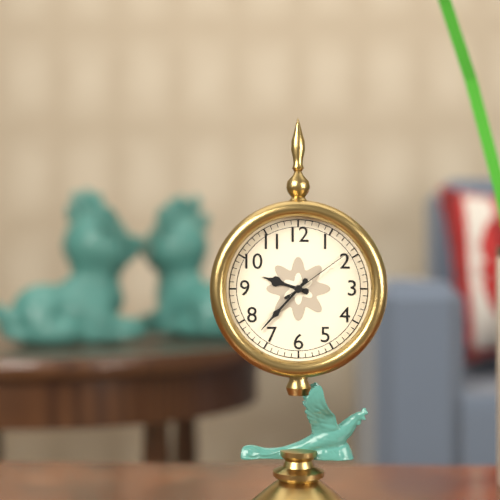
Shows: **9:37:09**
